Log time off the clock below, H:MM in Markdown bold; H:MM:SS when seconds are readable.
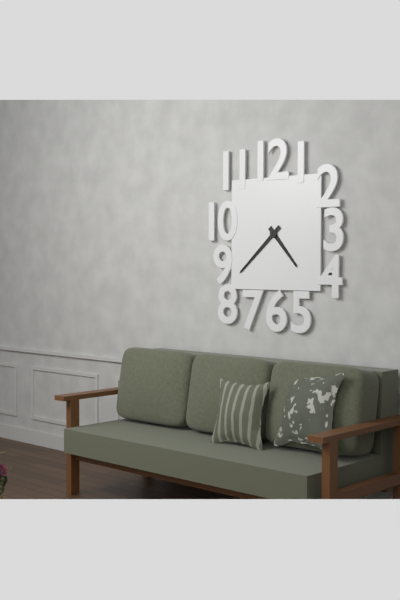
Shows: **4:38**
